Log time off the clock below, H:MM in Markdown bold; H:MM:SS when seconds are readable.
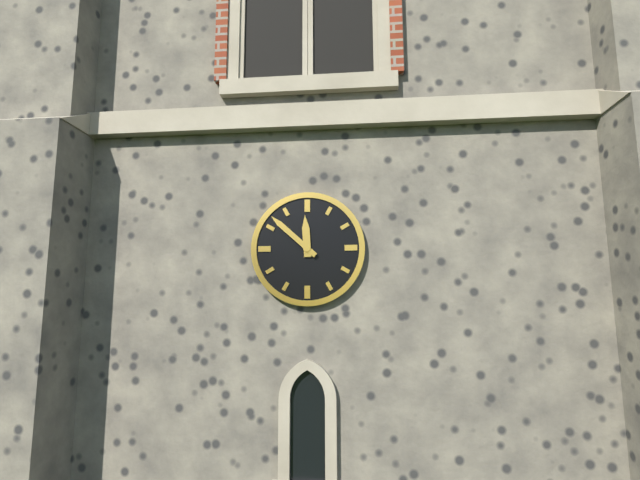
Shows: **11:52**
